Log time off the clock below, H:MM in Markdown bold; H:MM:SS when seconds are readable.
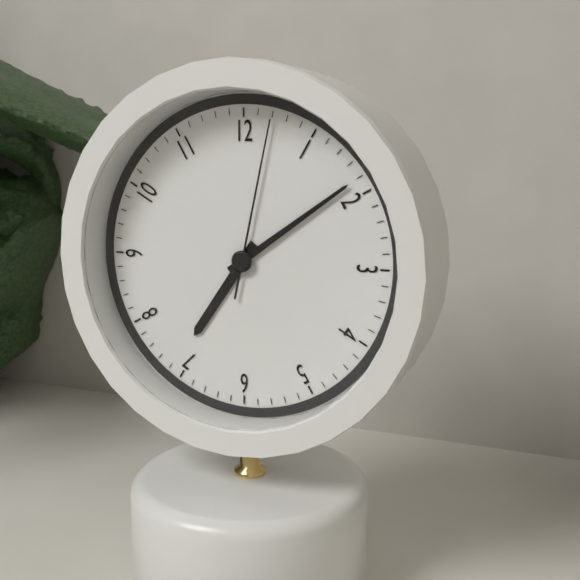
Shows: **7:09:02**
